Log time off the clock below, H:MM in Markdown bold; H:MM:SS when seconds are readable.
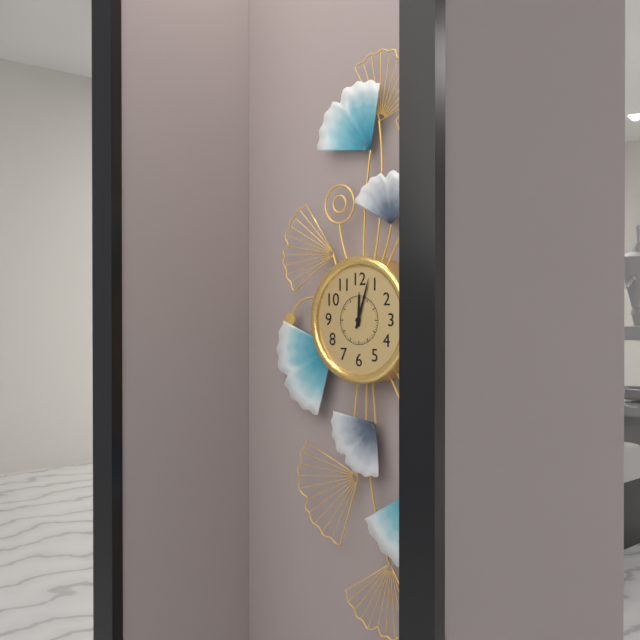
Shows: **12:03**
